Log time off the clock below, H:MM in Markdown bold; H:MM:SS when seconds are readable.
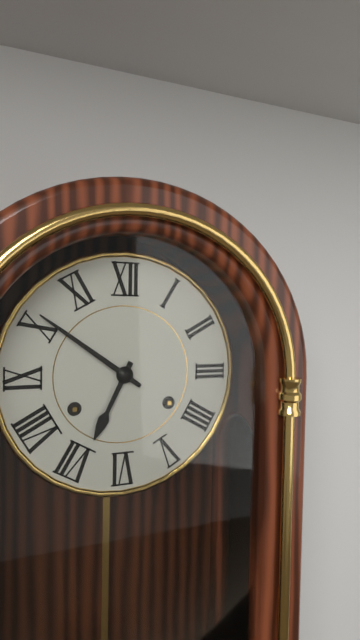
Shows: **6:51**
